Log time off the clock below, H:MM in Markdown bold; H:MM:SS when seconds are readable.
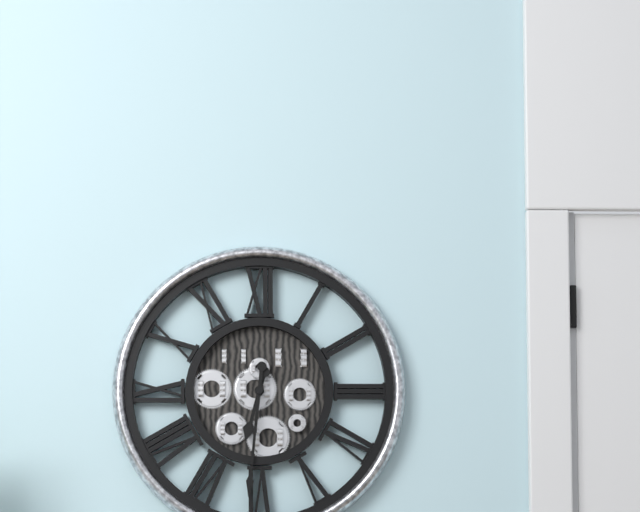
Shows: **6:31**
